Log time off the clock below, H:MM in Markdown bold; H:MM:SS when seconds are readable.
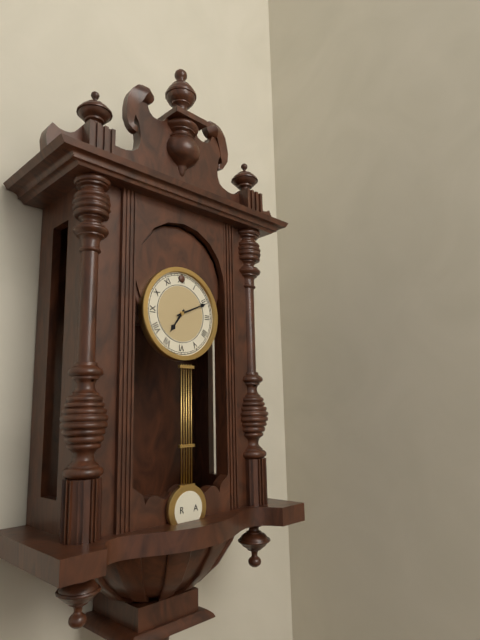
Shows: **7:11**
